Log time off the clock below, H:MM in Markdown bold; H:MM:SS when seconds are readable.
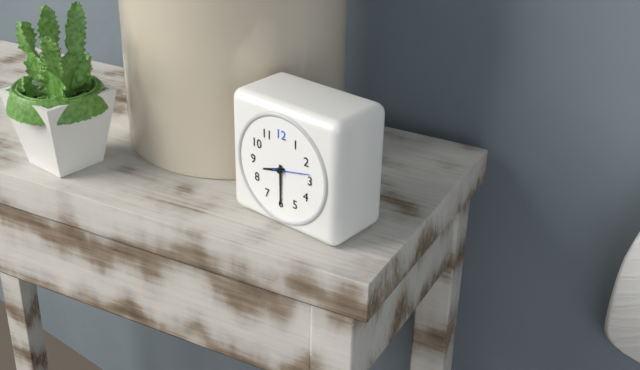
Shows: **8:30**
